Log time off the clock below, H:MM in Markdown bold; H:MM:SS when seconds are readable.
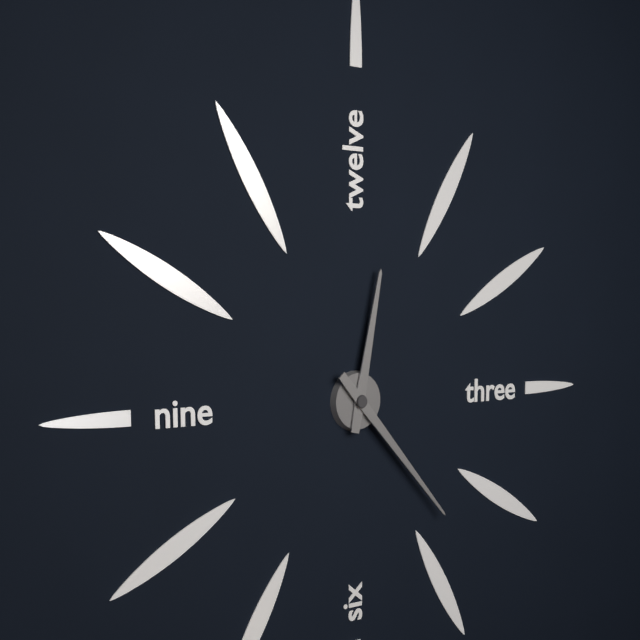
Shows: **12:23**
